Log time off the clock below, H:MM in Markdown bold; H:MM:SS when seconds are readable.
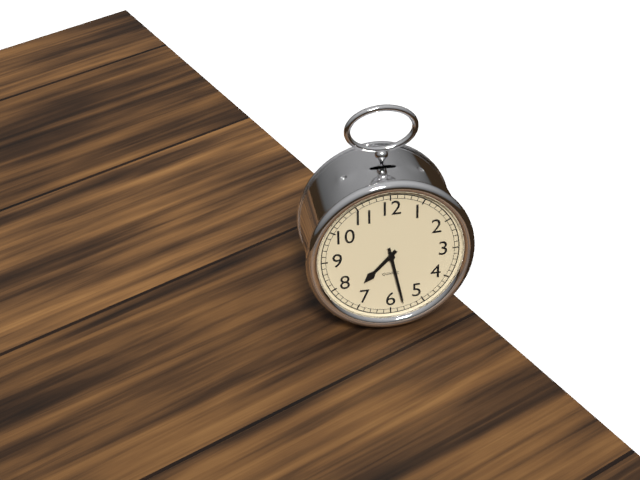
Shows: **7:28**
